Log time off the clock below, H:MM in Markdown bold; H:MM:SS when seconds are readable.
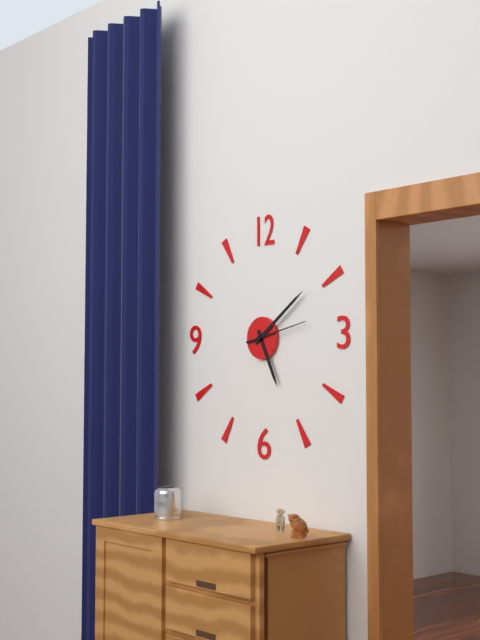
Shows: **5:09:13**
